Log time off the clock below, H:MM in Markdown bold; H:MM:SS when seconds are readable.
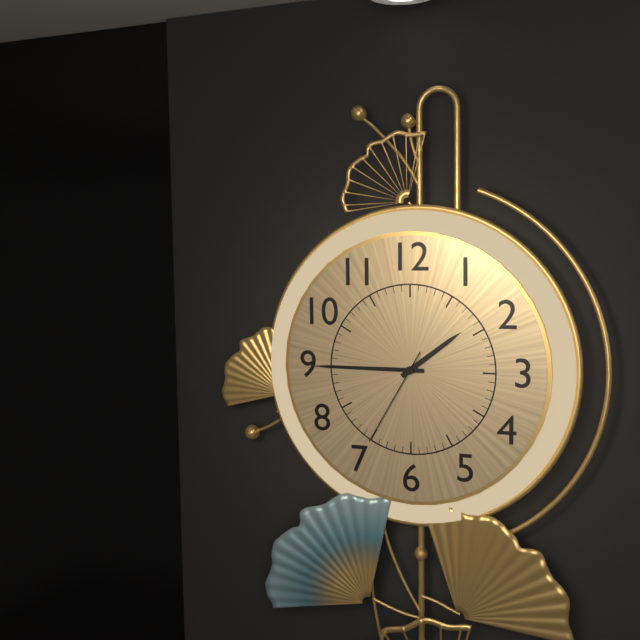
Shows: **1:45:35**
